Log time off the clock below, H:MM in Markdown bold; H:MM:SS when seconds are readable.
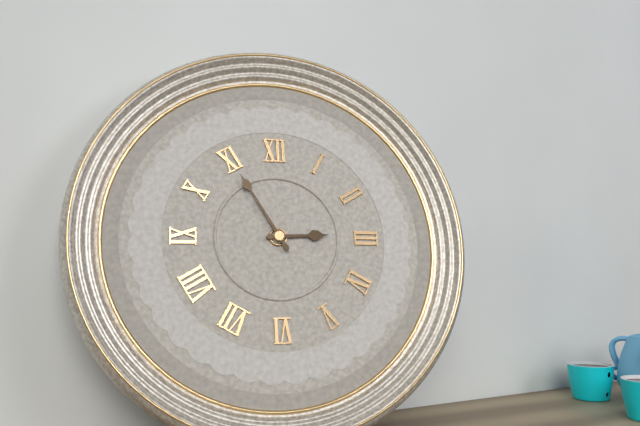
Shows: **2:55**
